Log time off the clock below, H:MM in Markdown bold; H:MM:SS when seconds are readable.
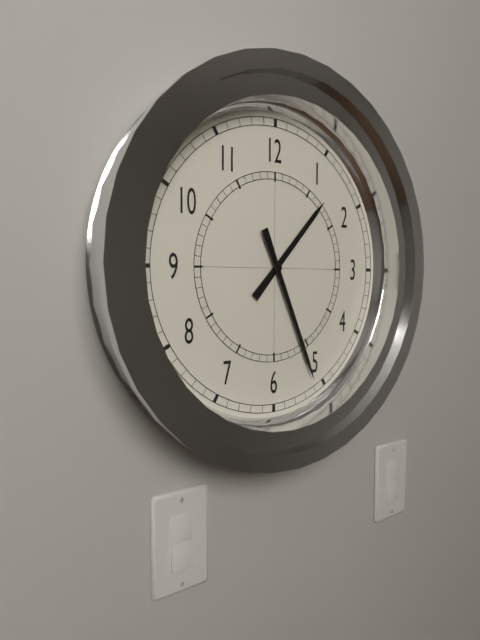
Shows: **1:26**
